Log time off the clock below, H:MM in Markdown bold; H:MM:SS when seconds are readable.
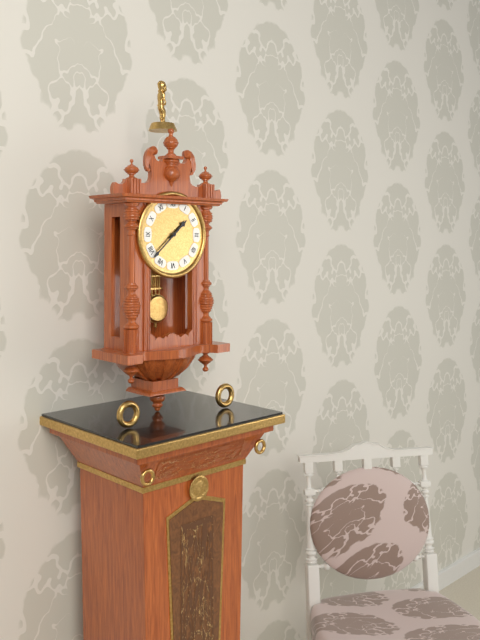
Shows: **1:38**
